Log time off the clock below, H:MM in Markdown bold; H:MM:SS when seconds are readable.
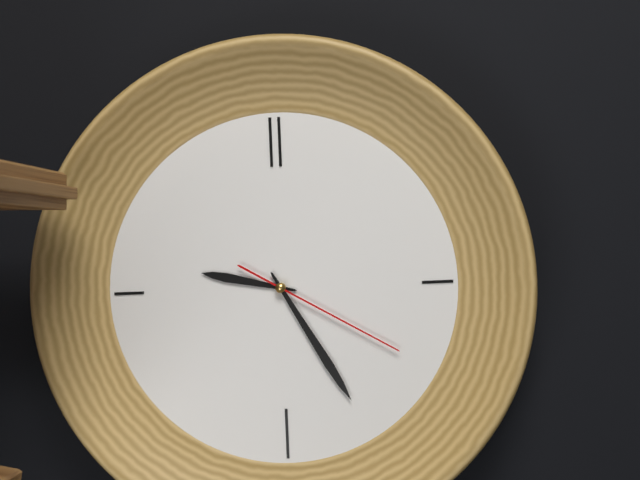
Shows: **9:25:20**
